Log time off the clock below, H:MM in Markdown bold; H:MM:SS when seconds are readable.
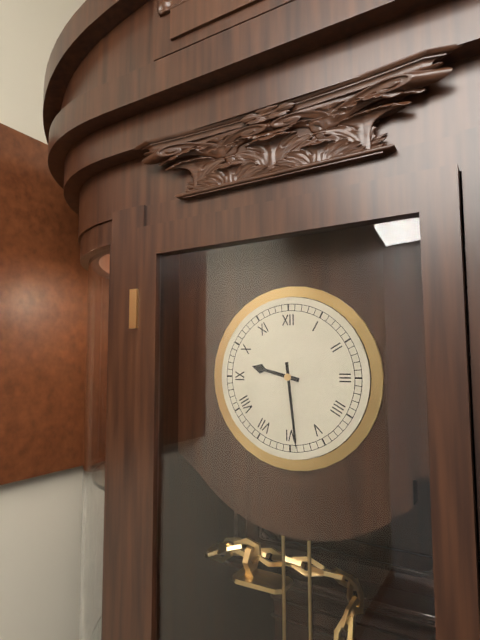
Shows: **9:29**
